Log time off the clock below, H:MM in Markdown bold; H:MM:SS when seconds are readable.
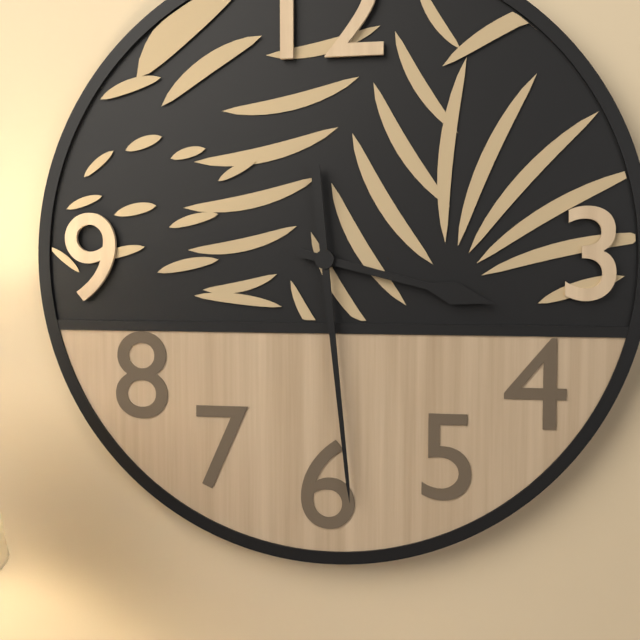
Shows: **3:29**
